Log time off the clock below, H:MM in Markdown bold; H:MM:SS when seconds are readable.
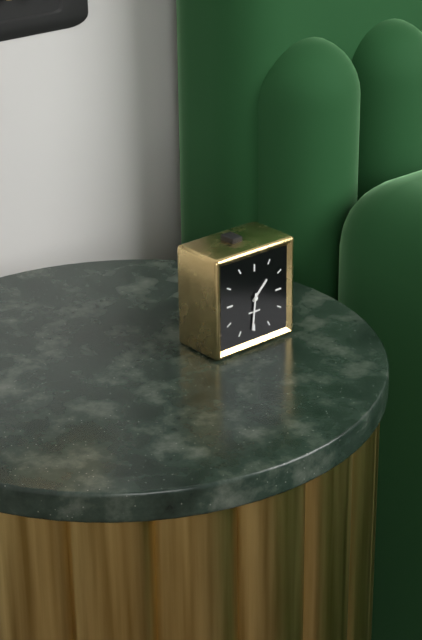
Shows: **1:31**
